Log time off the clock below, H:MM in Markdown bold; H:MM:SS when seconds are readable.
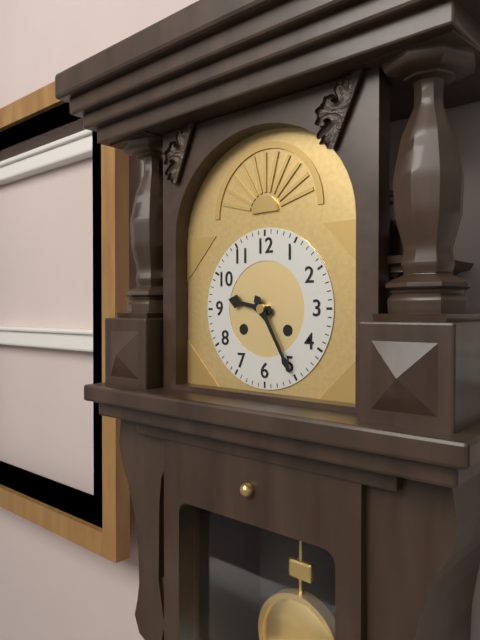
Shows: **9:25**
